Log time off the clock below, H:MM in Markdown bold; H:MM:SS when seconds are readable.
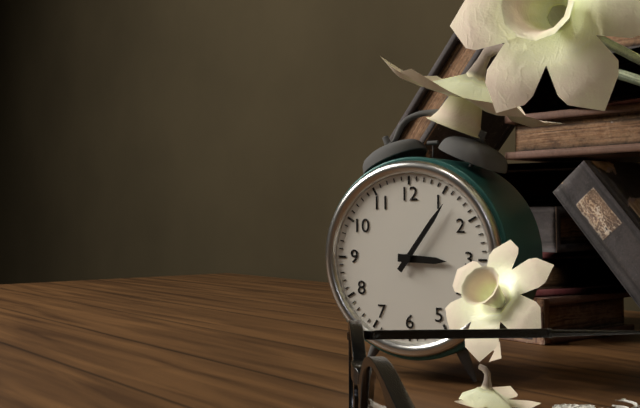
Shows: **3:06**
